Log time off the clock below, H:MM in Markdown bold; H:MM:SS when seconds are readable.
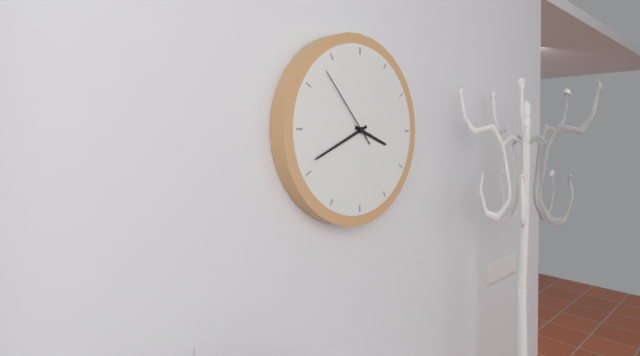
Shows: **3:41:53**
